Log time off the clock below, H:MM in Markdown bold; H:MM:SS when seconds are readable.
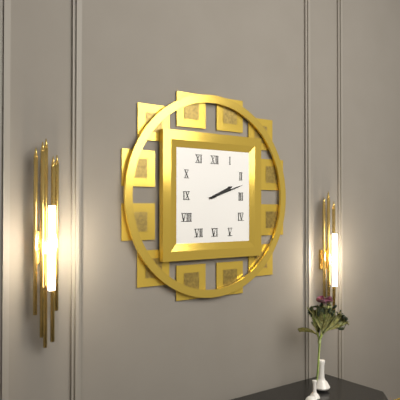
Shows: **2:12**
